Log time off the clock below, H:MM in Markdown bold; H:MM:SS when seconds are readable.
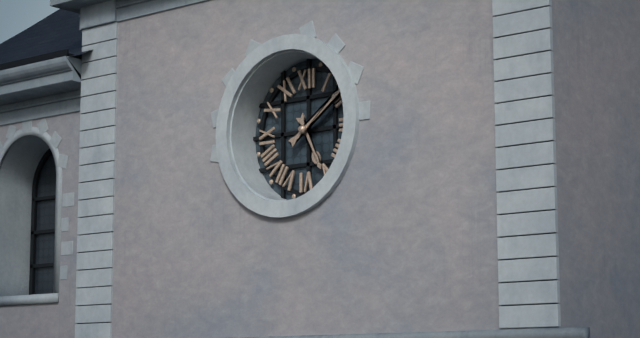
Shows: **5:09**
